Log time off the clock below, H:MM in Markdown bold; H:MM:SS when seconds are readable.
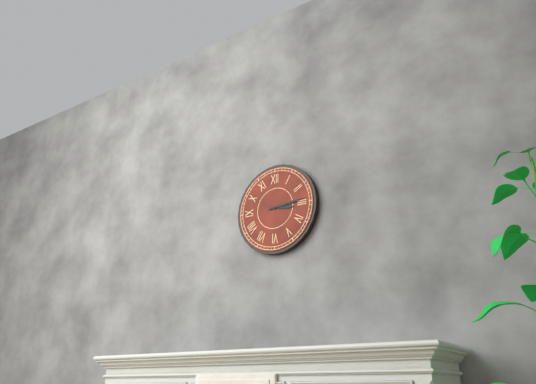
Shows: **3:14**
